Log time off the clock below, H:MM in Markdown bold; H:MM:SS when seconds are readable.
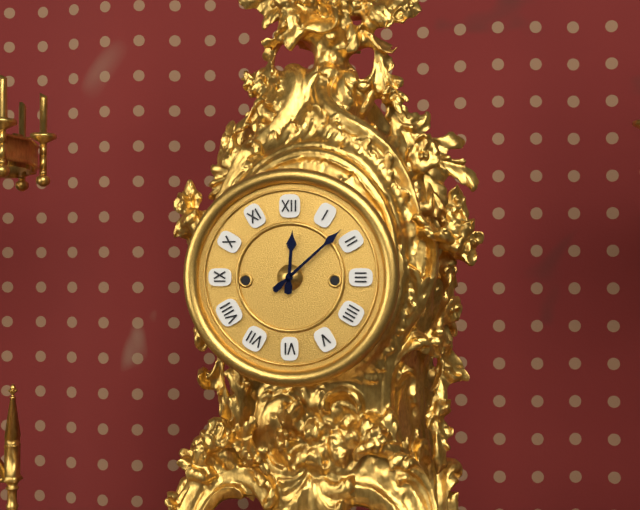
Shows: **12:08**
